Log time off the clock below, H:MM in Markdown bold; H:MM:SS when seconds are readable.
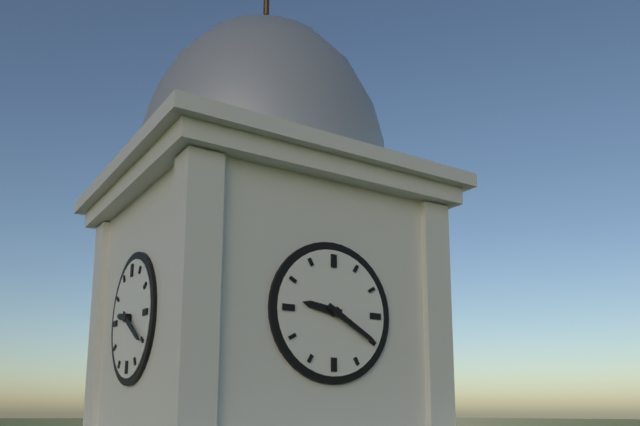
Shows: **9:20**
